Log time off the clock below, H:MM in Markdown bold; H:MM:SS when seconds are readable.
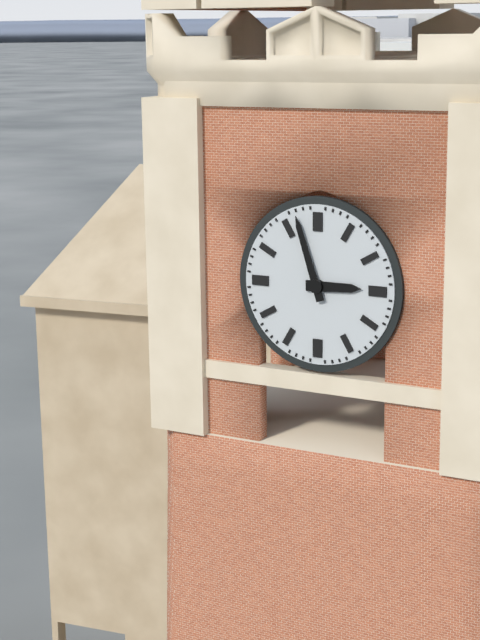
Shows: **2:57**
